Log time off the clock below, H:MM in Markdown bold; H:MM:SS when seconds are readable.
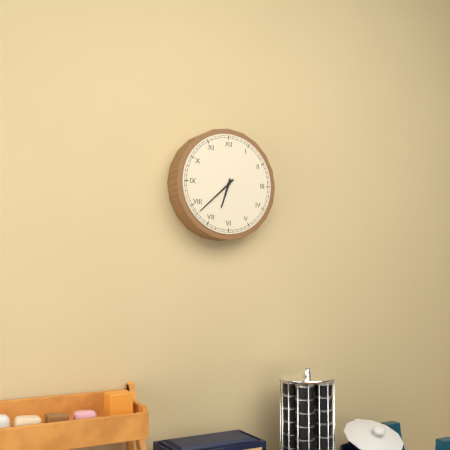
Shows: **6:38**
